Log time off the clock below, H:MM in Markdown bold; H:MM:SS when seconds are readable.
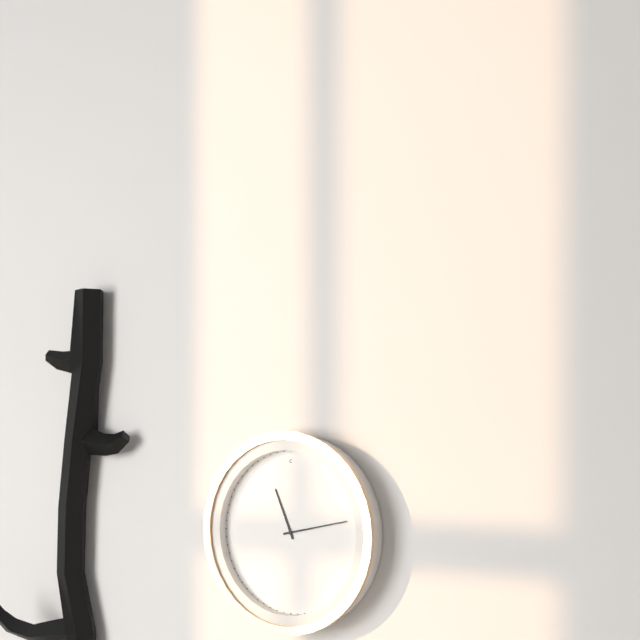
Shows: **11:13**
